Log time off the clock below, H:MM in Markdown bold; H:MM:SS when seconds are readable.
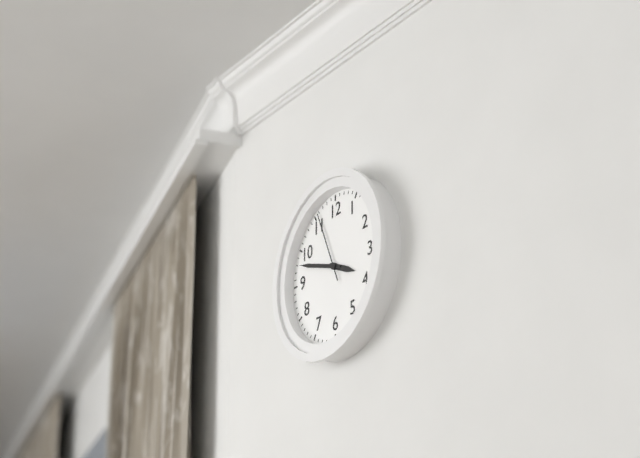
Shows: **3:48:56**
